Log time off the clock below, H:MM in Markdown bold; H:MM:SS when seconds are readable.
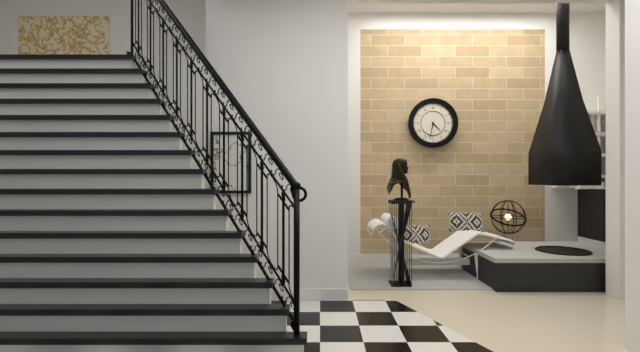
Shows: **4:32**
